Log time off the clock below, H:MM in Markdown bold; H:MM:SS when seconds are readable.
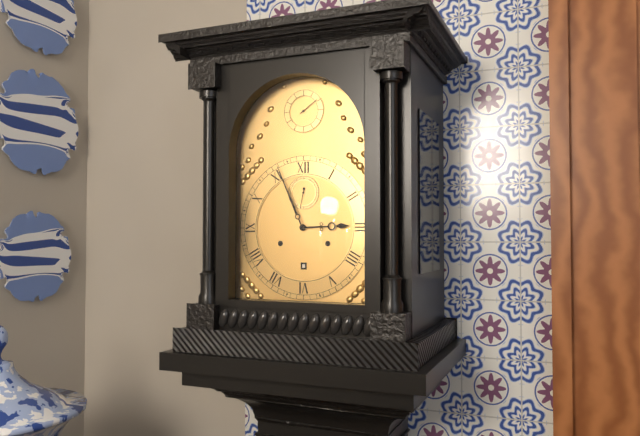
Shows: **2:56**
